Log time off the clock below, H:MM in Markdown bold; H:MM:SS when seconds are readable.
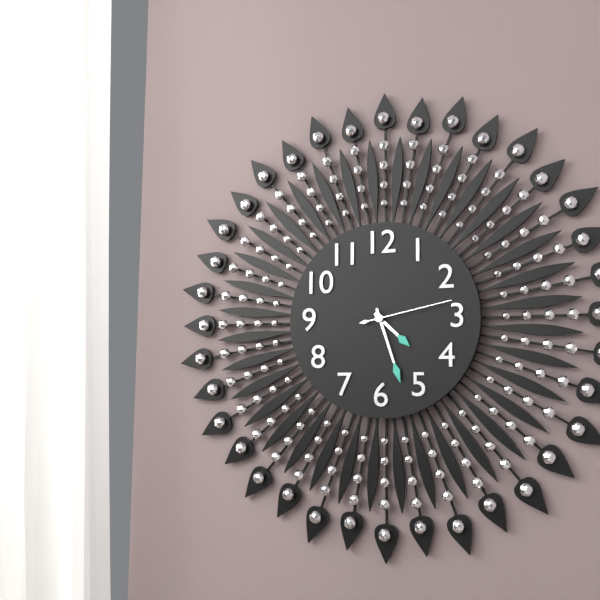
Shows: **4:27:13**
